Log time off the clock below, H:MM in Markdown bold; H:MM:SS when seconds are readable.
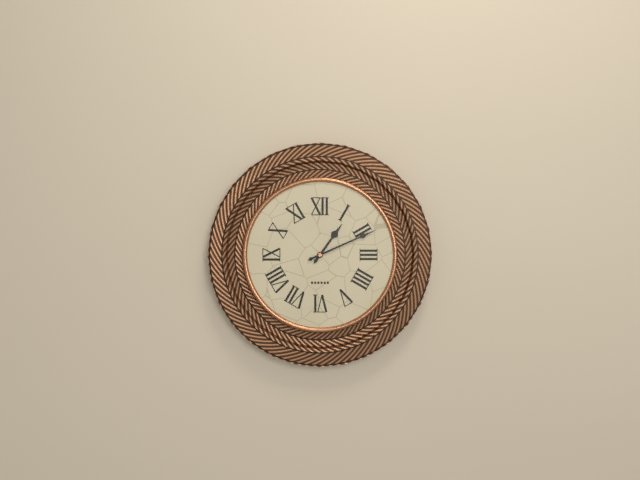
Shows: **1:11**
